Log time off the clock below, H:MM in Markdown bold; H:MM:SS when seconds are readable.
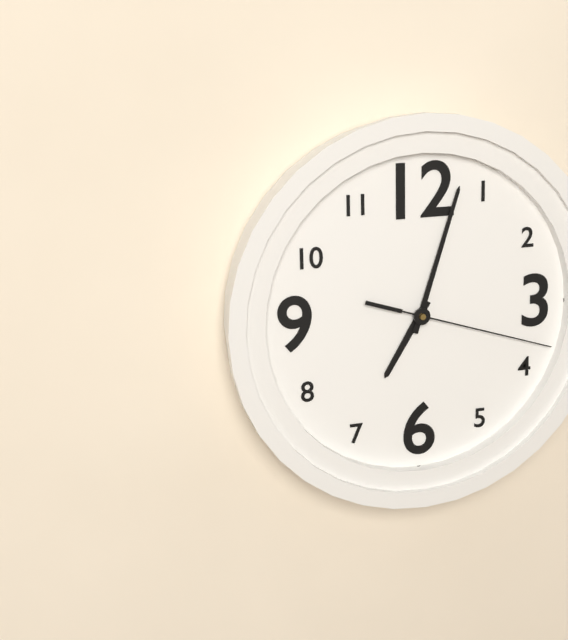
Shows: **7:03:18**
